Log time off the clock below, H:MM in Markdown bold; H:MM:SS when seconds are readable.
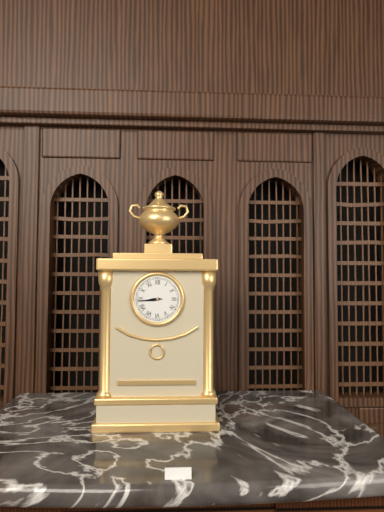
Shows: **8:44**
